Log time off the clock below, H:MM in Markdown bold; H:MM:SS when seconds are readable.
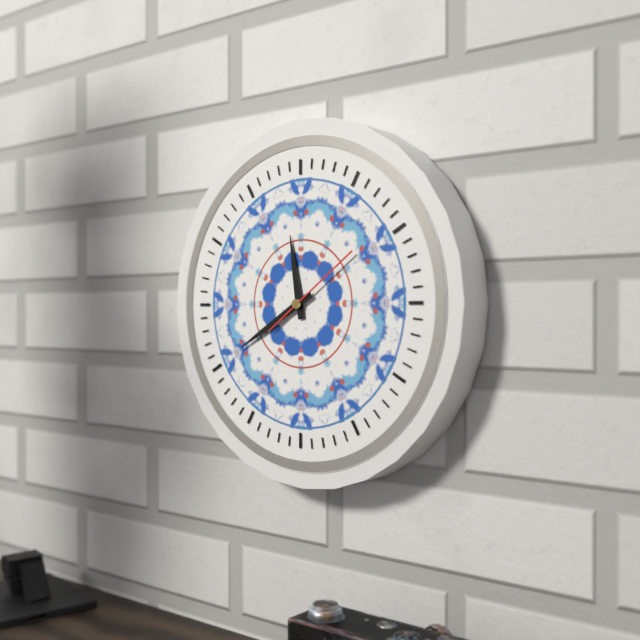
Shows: **11:40:09**
